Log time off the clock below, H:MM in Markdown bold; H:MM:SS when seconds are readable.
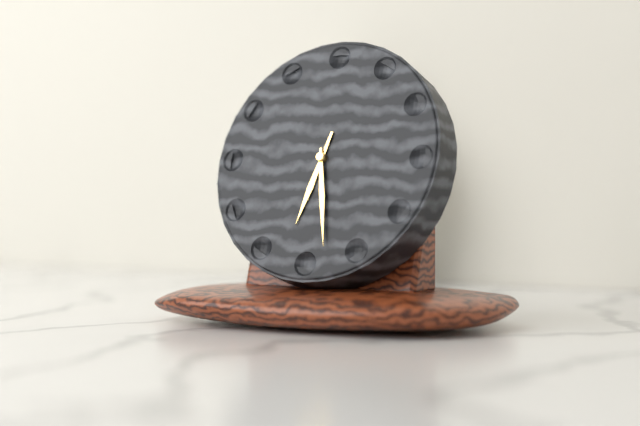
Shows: **6:28**
